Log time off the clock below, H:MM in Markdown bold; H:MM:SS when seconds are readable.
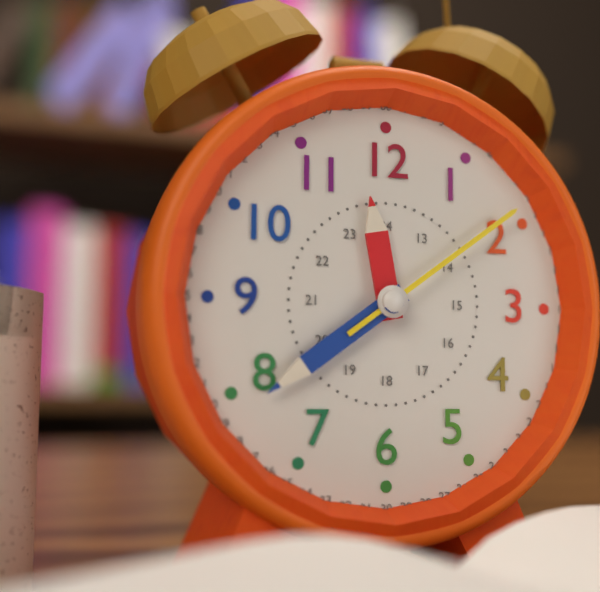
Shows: **11:39:09**
